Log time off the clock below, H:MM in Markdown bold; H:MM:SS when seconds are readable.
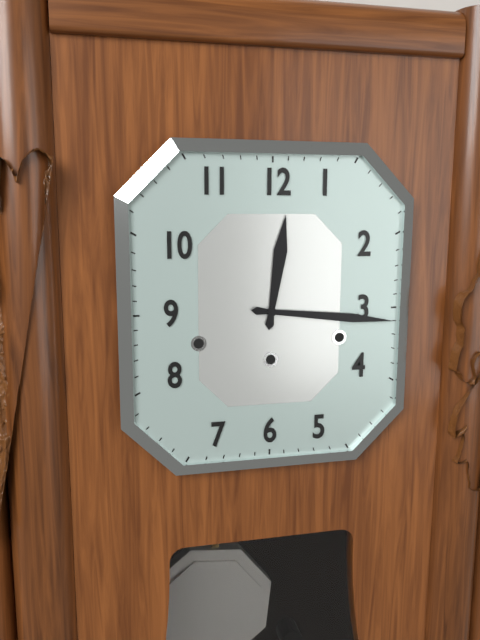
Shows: **12:16**
